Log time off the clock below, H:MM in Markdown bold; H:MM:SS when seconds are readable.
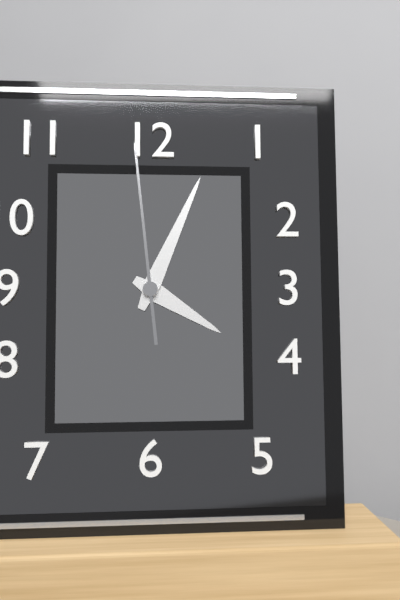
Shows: **4:04:59**
